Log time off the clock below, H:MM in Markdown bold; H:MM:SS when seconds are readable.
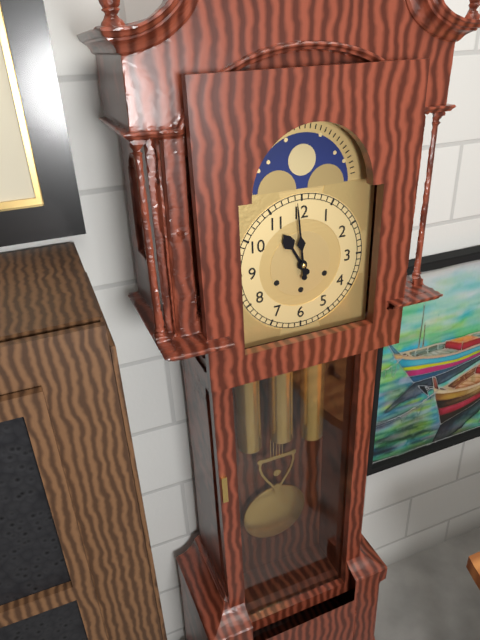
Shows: **10:59**
